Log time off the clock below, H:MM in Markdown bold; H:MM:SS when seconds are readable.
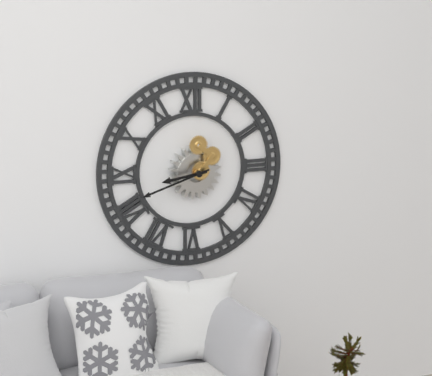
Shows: **8:42**
